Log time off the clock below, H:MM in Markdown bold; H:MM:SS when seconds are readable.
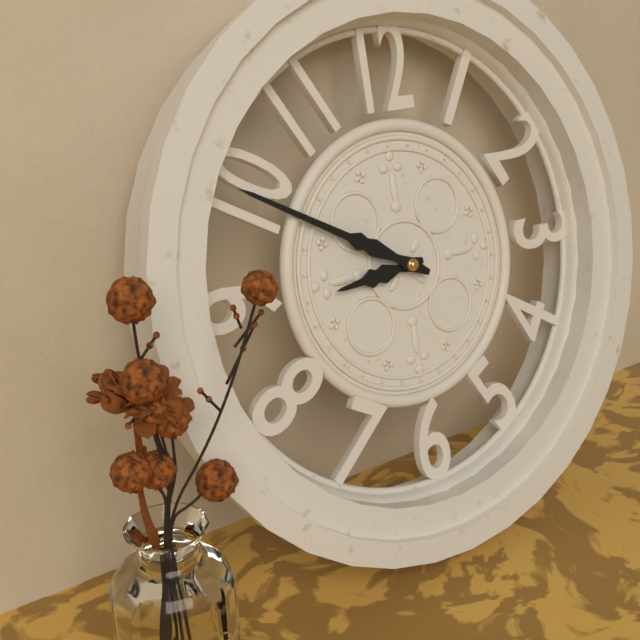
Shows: **8:50**
